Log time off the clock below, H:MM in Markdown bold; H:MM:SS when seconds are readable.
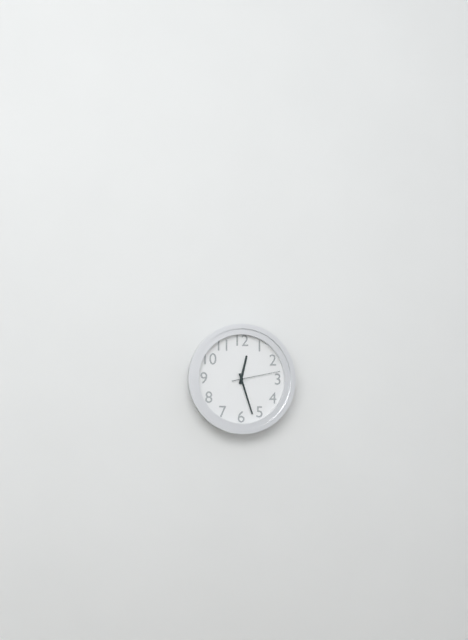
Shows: **12:27**
